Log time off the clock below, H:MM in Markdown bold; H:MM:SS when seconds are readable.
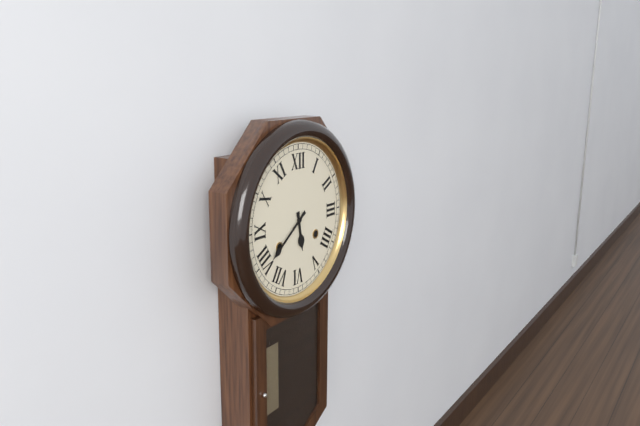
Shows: **5:39**
